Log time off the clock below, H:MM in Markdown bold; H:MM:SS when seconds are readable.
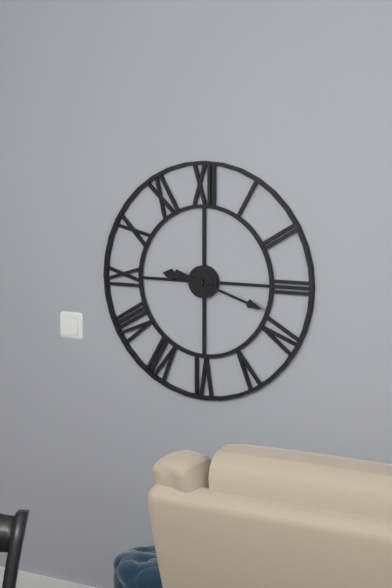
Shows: **9:18**
